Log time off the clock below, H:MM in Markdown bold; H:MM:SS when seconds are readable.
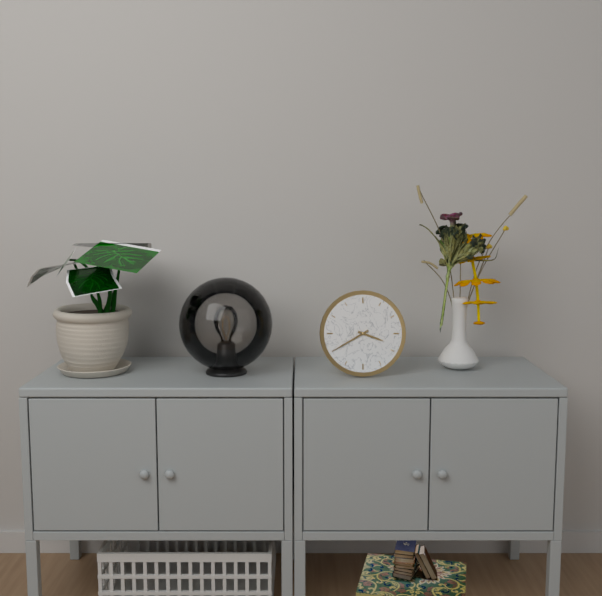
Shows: **3:40**
